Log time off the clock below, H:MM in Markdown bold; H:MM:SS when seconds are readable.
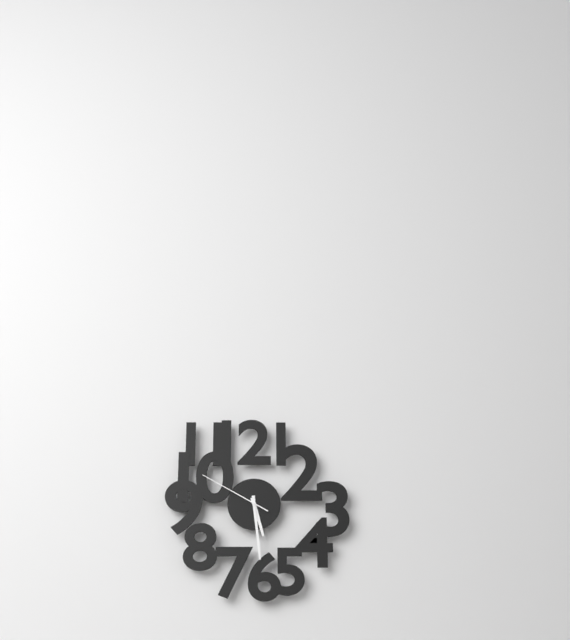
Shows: **5:29:50**
